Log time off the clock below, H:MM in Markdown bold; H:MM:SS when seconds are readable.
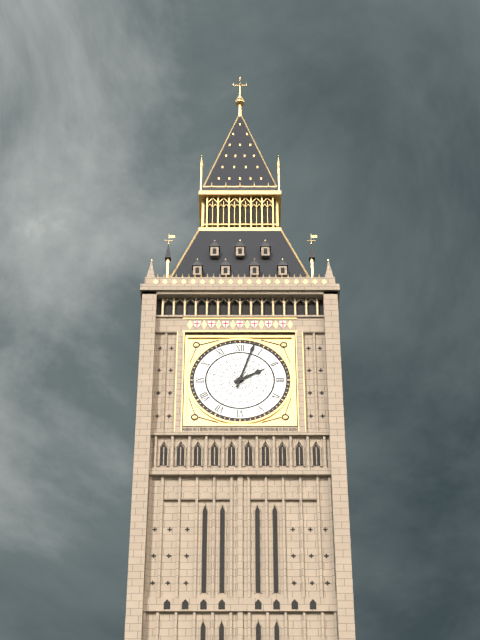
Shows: **2:03**
